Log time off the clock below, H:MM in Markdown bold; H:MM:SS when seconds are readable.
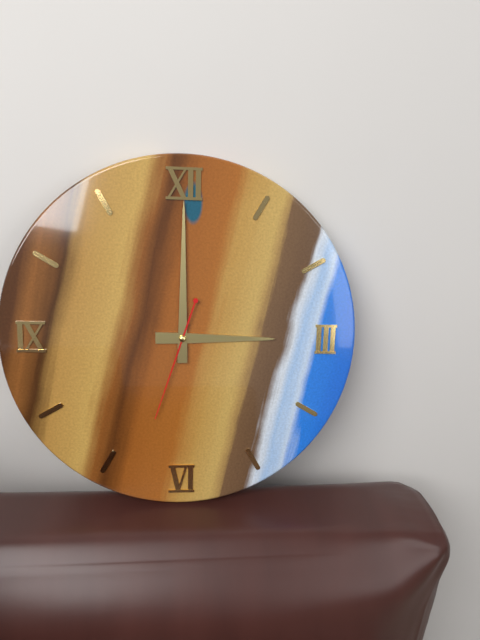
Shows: **3:00:33**
